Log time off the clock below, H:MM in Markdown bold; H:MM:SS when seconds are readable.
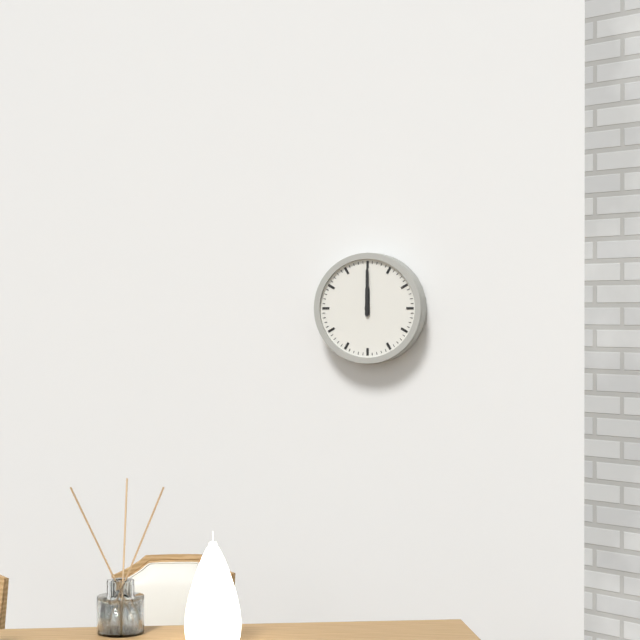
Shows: **12:00**
